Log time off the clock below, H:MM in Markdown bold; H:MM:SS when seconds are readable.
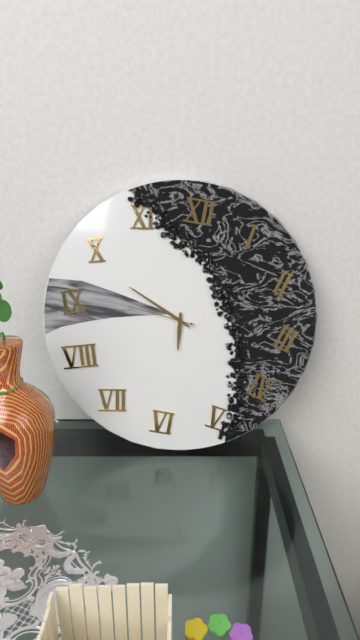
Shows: **5:49:46**
